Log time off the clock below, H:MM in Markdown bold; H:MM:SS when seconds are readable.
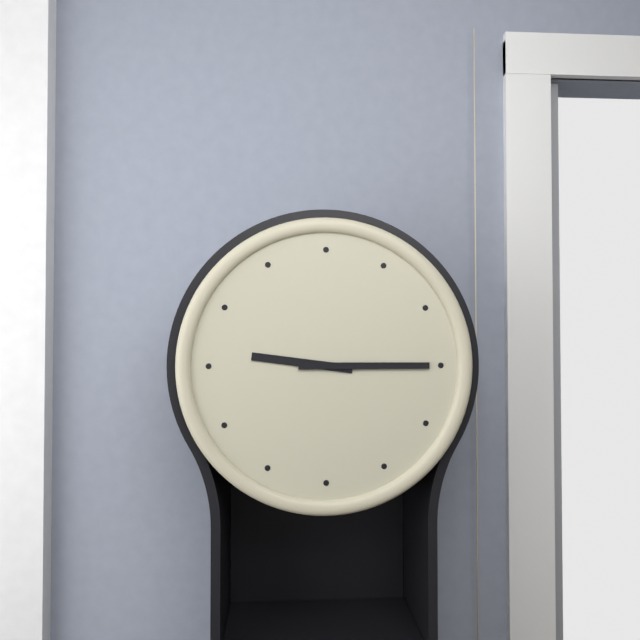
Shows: **9:15**
